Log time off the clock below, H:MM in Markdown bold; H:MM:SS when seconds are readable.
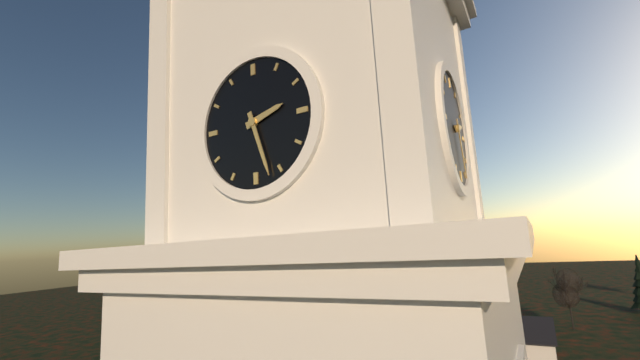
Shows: **2:27**
